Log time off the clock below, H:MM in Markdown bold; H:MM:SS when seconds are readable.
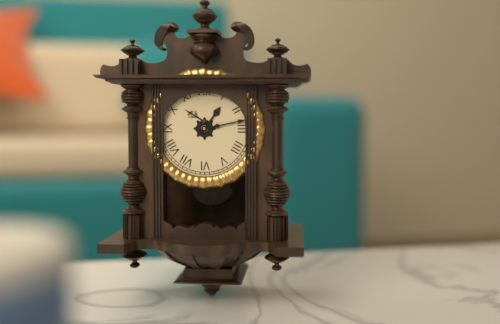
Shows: **1:13**
